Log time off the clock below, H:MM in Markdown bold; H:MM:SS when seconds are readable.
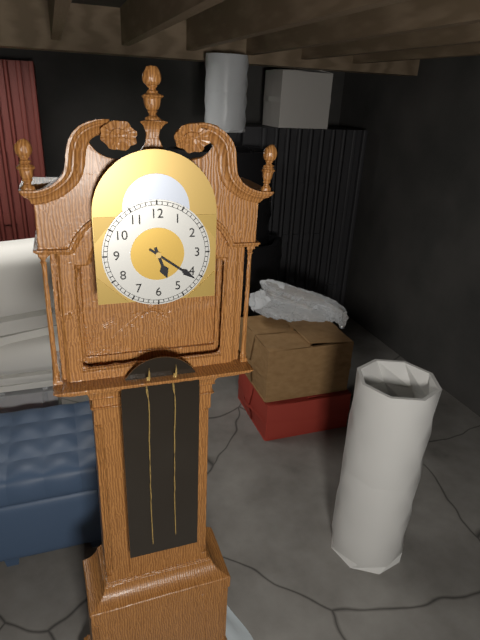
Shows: **5:21**
